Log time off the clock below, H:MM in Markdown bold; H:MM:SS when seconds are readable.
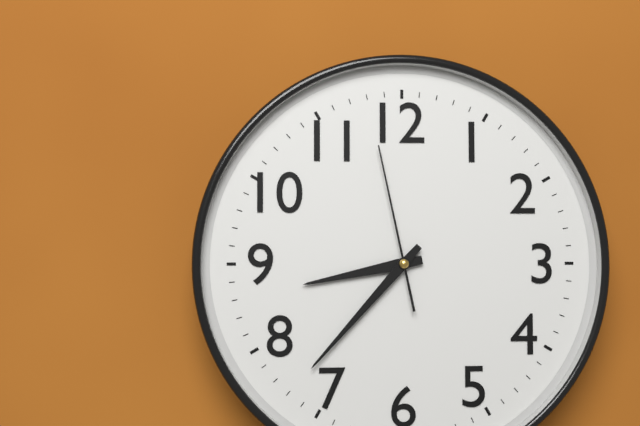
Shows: **8:37:58**
